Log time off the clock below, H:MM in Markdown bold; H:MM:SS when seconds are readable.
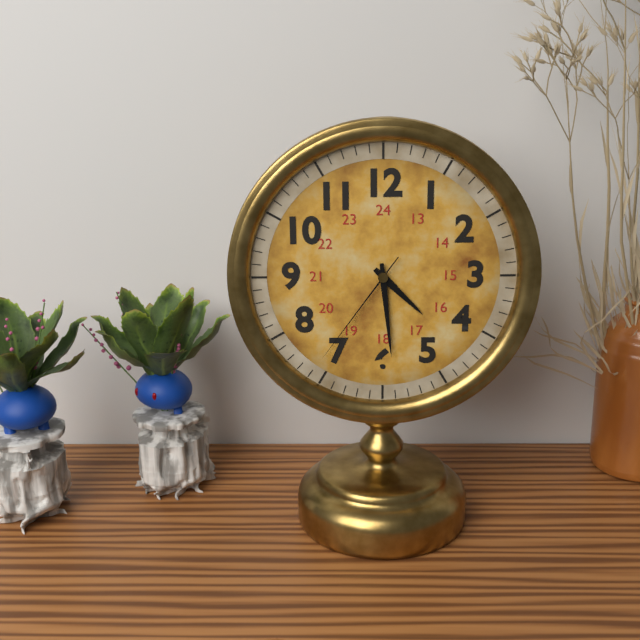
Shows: **4:29:36**
